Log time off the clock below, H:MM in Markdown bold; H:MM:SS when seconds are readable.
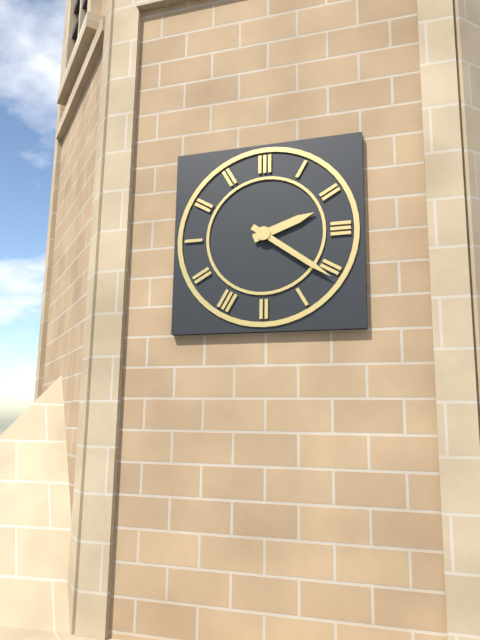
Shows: **2:21**
